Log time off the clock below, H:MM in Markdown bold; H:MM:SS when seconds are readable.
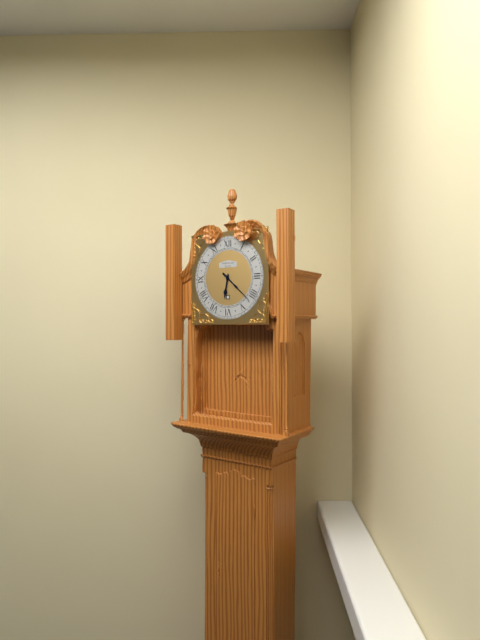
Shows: **6:22**
